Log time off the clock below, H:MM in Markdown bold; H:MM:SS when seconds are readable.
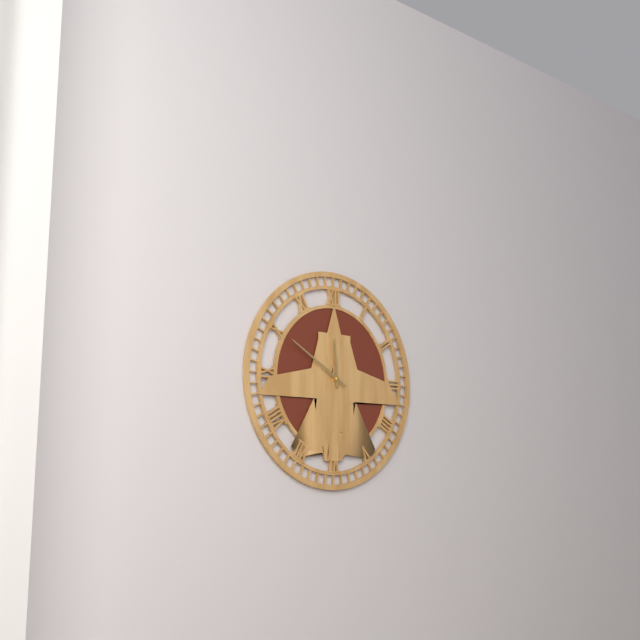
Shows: **11:50**
